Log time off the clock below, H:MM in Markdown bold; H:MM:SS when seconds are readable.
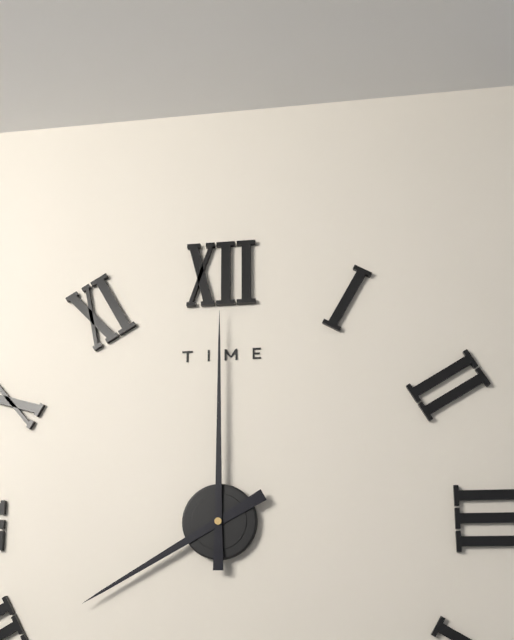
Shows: **8:00**
